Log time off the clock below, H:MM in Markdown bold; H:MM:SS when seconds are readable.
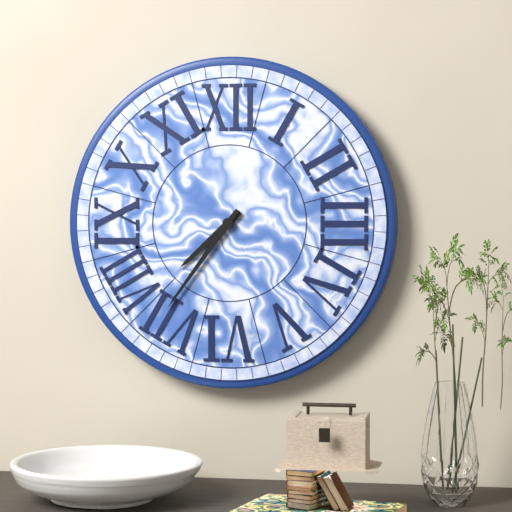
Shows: **7:36**
